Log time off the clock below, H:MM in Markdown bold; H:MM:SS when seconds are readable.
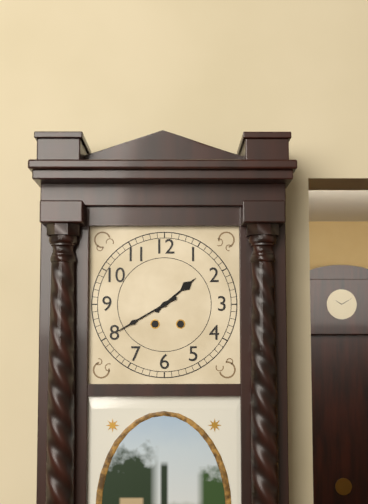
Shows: **1:40**
